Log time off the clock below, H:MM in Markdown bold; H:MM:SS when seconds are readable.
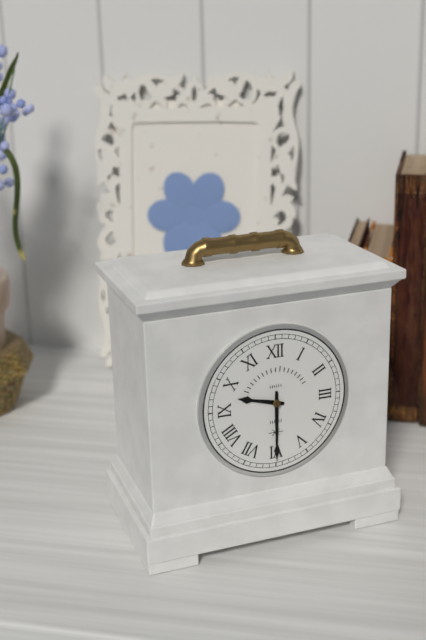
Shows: **9:30**
